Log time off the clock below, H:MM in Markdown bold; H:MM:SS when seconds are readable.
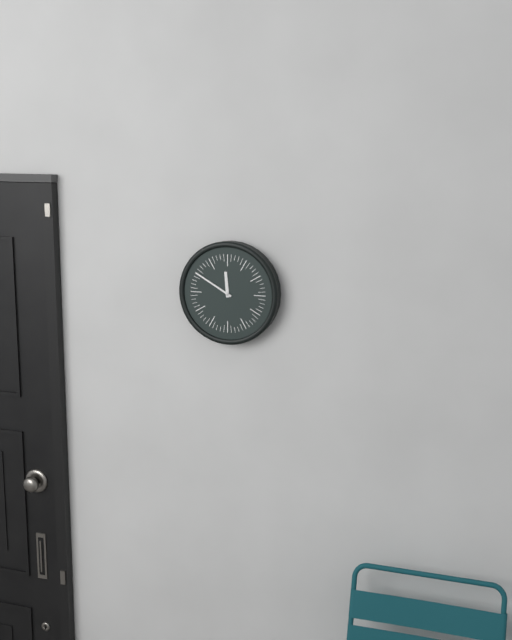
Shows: **11:50**
